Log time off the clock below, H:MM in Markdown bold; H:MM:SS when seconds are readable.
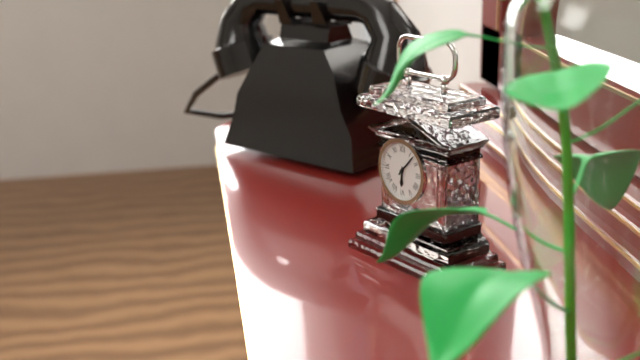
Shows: **6:07**
